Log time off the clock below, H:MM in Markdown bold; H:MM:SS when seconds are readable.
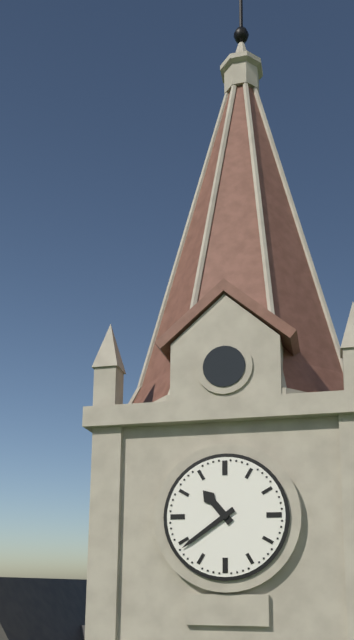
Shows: **10:39**
